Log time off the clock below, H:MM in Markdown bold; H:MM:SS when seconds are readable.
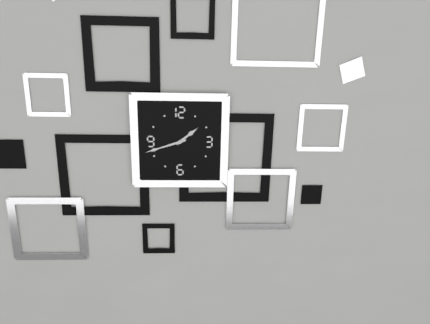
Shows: **1:42**
